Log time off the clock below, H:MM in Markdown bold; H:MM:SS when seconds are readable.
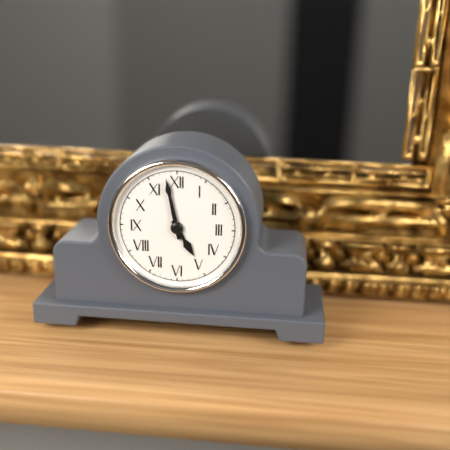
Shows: **4:58**
